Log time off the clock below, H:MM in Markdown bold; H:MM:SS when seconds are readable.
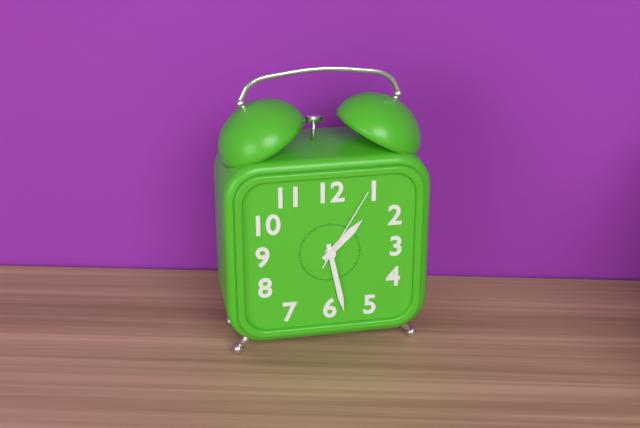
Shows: **1:28:05**
